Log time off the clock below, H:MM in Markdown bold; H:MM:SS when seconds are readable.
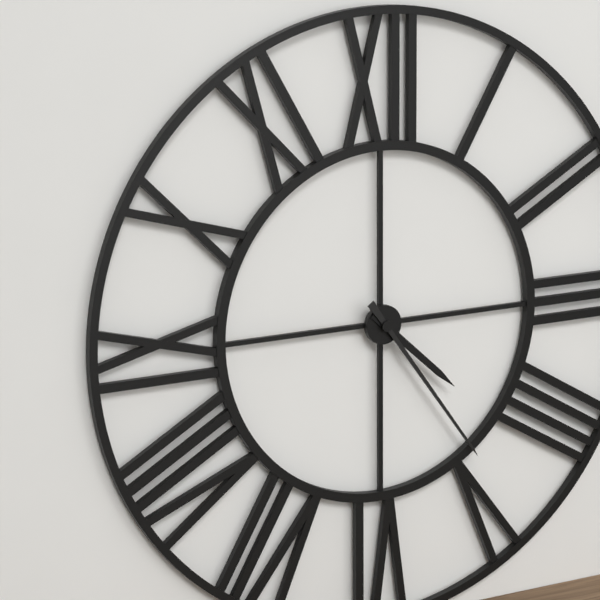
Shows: **4:24**
